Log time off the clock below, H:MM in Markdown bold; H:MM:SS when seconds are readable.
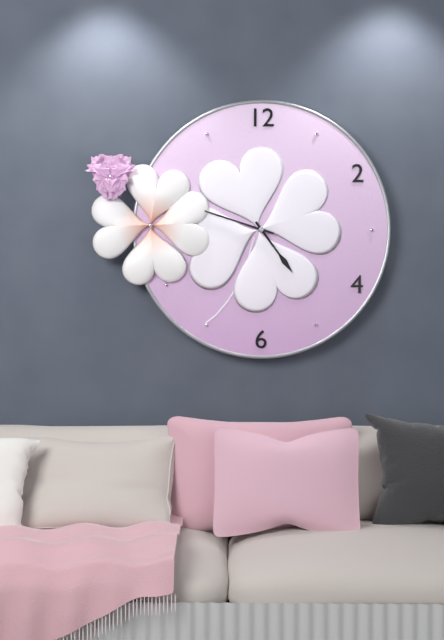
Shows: **4:48**
